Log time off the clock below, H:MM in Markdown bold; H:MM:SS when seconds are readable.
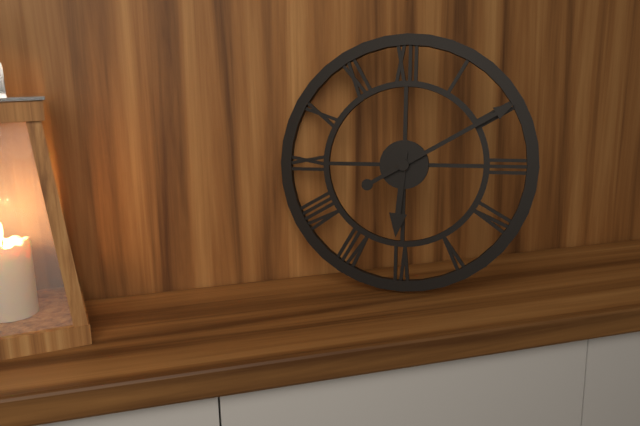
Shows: **6:10**
